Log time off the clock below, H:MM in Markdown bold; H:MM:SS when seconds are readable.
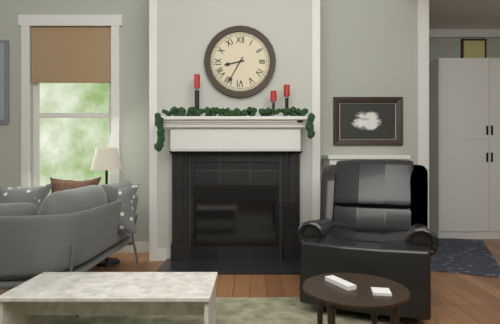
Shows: **8:35**
